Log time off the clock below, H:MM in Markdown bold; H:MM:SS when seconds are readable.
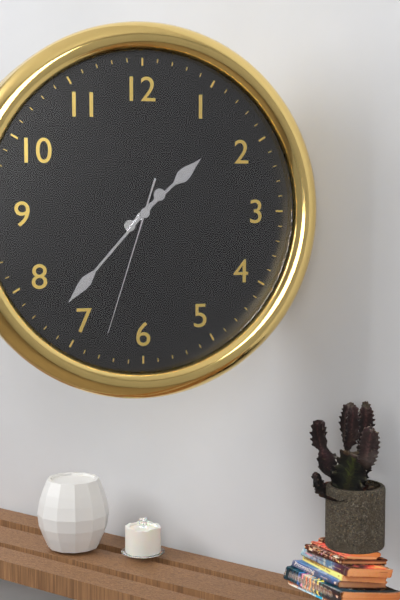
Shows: **1:37:33**
